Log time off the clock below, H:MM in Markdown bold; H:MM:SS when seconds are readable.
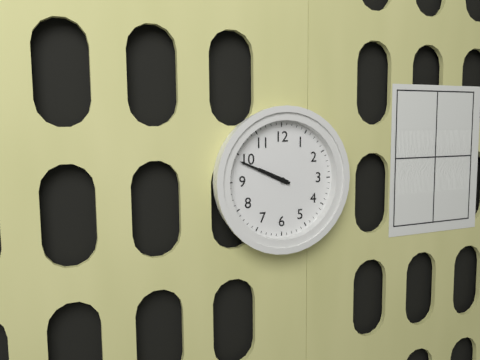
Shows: **9:49**
